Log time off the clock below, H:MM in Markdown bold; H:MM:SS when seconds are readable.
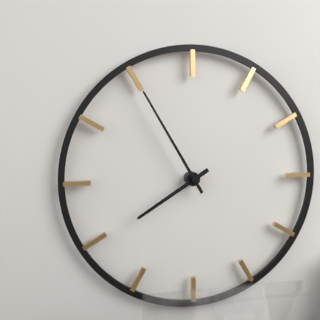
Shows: **7:55**
